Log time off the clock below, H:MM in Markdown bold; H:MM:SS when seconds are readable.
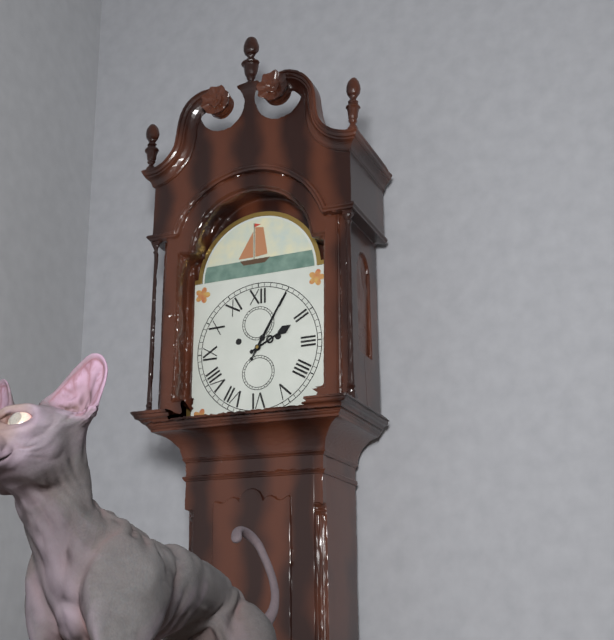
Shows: **2:05**
